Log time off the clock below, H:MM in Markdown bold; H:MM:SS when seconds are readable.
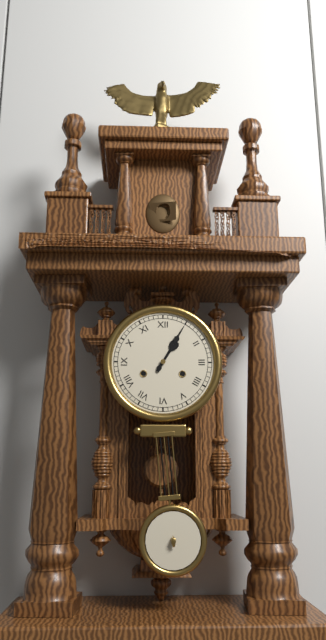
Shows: **1:05**
